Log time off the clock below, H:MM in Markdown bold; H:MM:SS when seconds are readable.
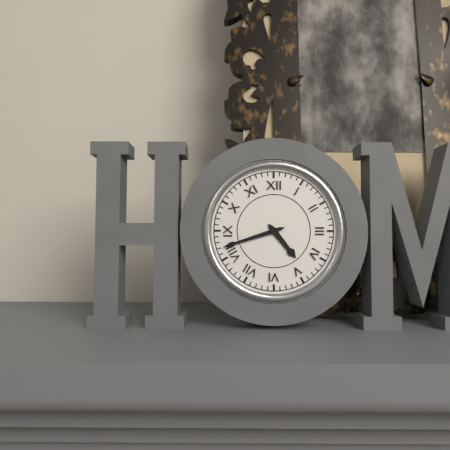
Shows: **4:42**
